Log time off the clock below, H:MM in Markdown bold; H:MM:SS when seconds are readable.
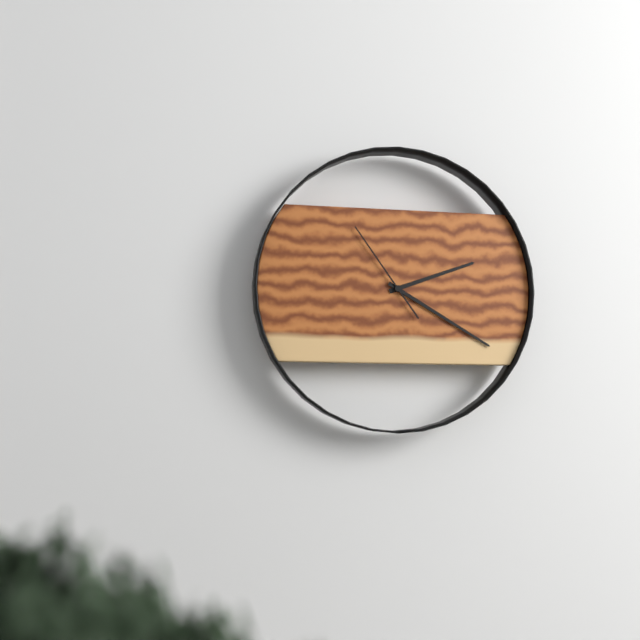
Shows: **2:20:54**
